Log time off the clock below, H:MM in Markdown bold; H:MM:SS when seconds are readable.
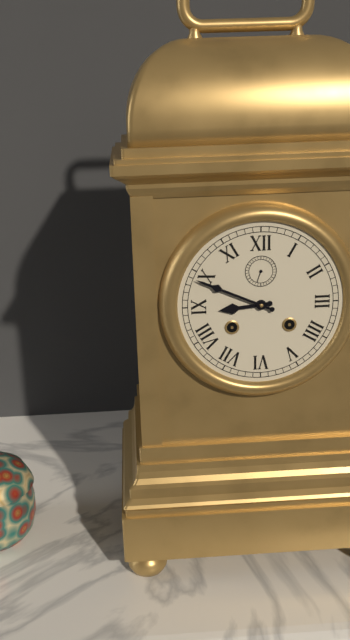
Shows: **8:49**
